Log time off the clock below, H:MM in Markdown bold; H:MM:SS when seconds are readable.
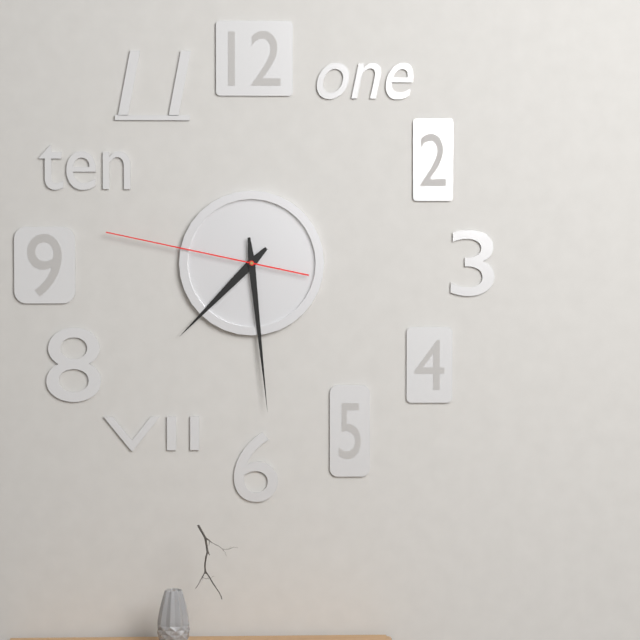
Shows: **7:29:47**
